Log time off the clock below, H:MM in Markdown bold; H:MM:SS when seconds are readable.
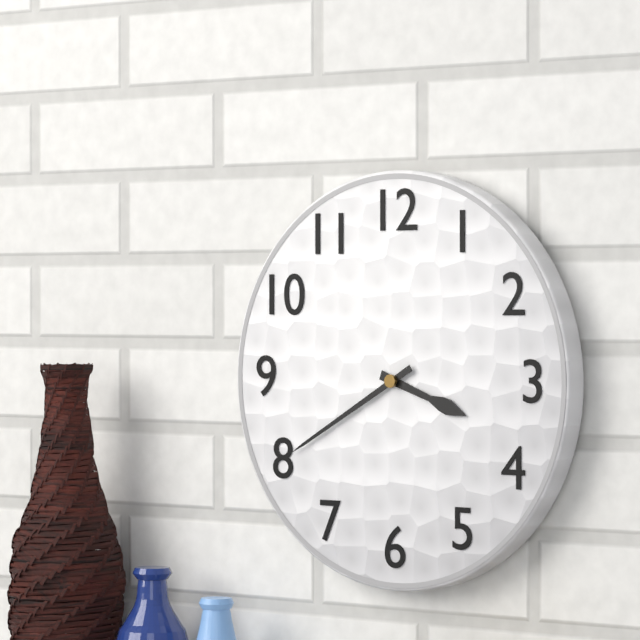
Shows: **3:40**
